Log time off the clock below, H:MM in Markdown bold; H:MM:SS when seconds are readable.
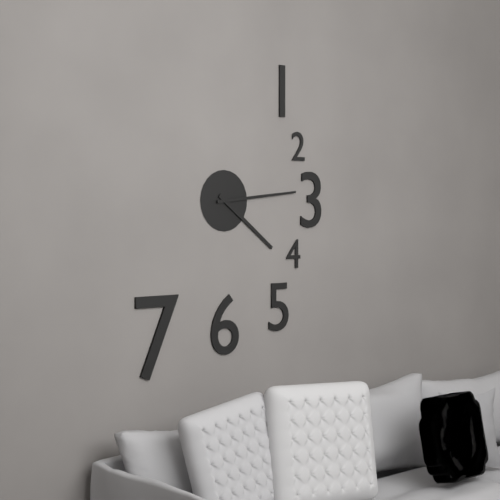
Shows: **4:14**
